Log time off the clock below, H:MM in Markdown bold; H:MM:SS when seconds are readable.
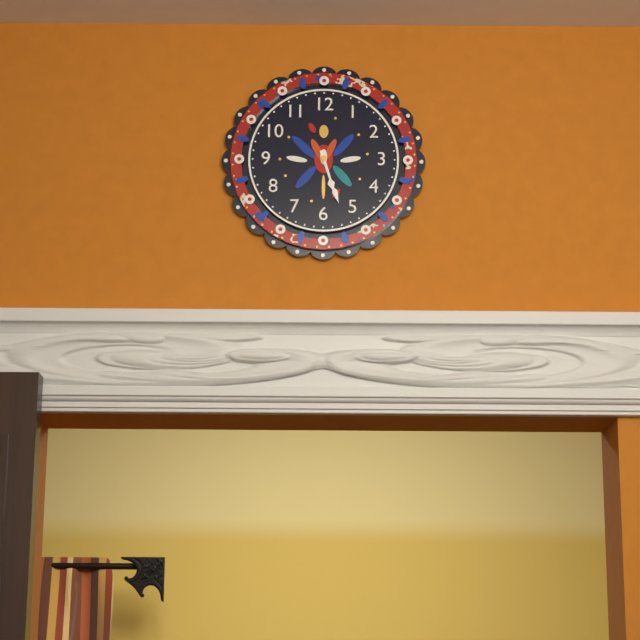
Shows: **5:27**
